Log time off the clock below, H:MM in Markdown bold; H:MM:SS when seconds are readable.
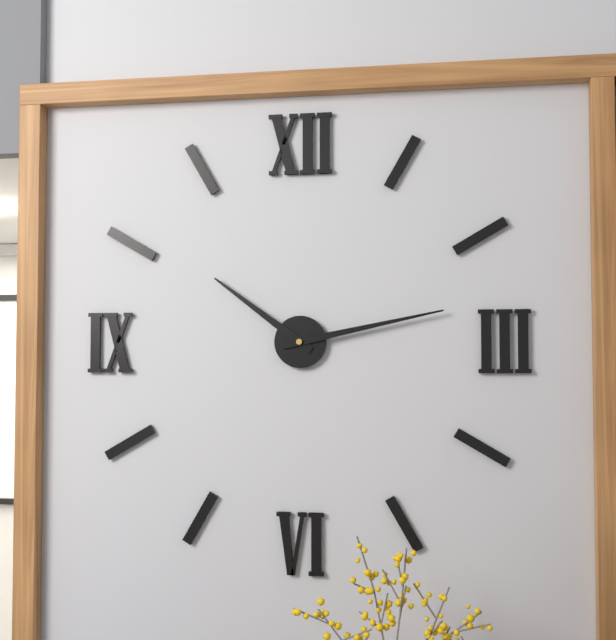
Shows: **10:13**
